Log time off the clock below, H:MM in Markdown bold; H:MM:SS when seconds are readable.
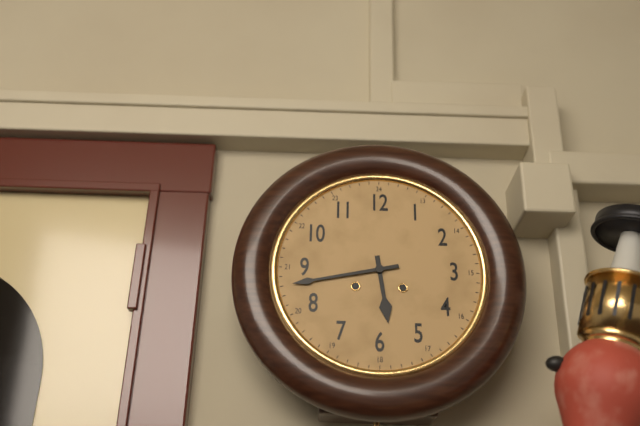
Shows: **5:43**
